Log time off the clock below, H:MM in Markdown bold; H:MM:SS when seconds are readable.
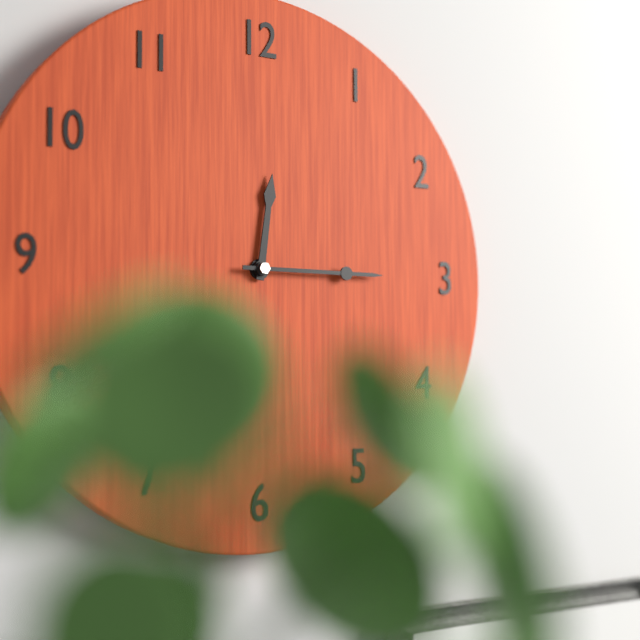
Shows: **12:15**
